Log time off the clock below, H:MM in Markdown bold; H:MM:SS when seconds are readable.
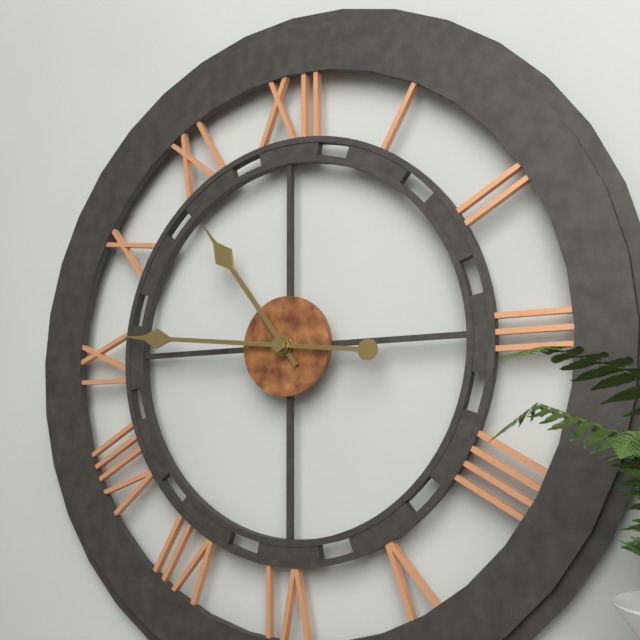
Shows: **10:46**
